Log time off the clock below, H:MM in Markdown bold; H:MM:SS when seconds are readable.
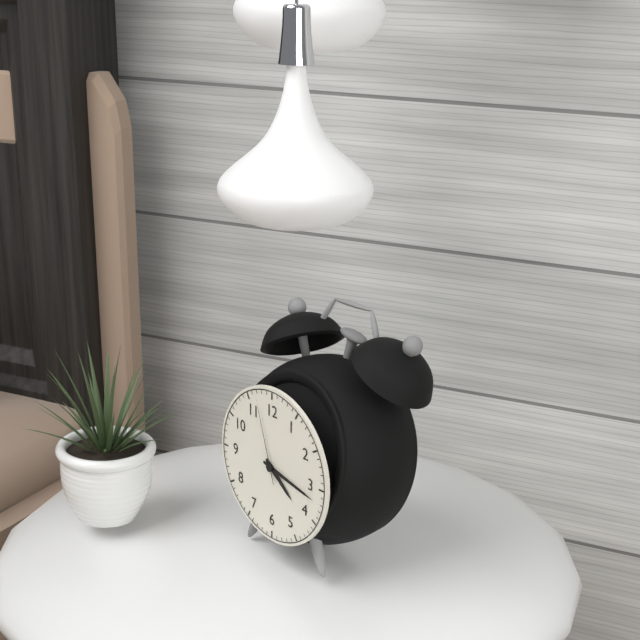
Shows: **4:17:57**
